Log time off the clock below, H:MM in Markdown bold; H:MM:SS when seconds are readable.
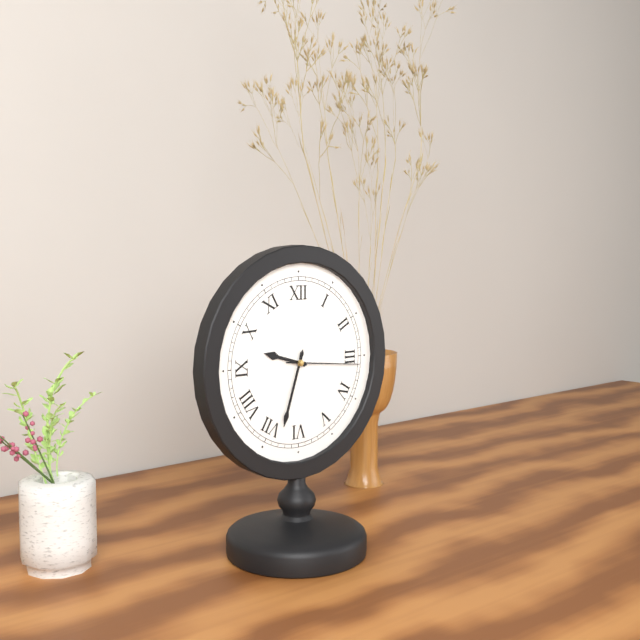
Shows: **9:33:16**
